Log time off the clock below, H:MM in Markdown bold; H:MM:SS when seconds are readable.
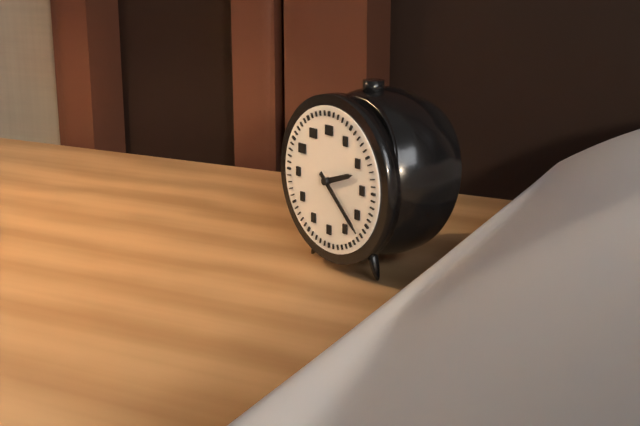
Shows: **2:22**
